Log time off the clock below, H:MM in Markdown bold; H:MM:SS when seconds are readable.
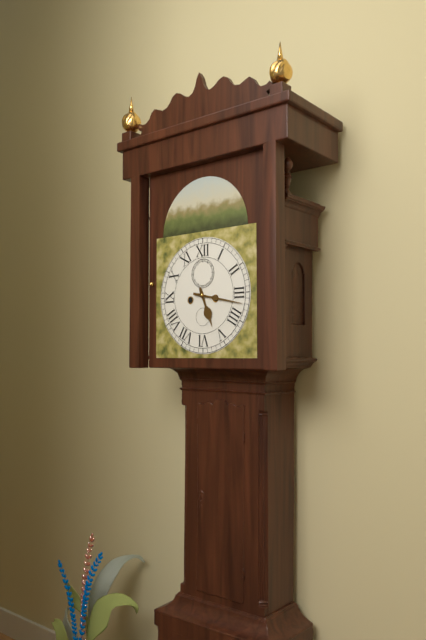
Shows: **5:17**
